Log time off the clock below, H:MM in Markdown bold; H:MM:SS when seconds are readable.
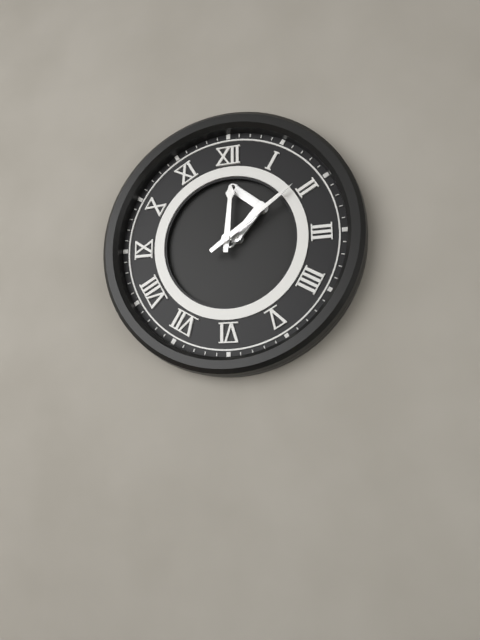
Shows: **12:09**
